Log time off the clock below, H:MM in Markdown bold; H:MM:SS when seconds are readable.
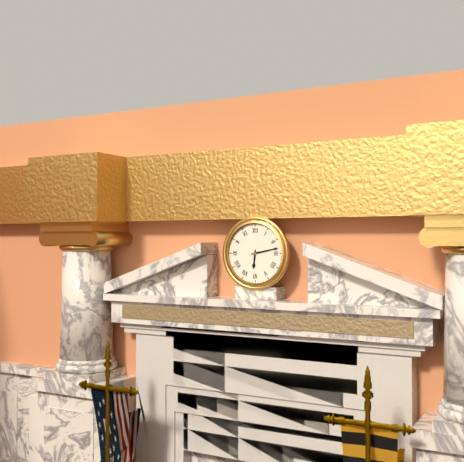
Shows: **6:13**
